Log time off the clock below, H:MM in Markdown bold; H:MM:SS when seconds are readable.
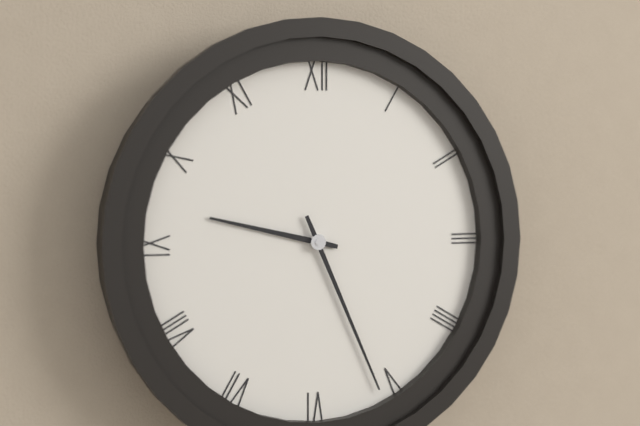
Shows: **9:26**
